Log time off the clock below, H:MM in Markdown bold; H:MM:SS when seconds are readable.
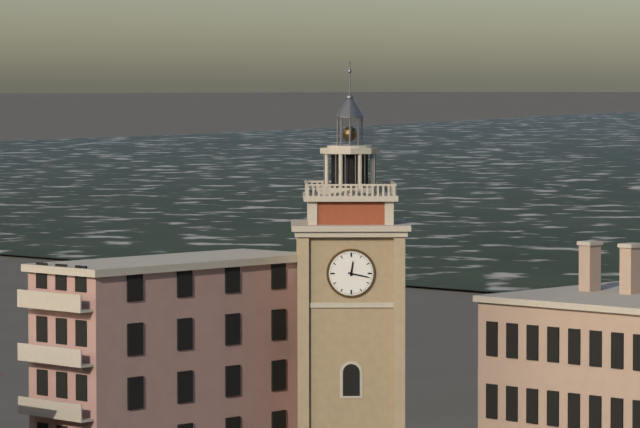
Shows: **12:17**
